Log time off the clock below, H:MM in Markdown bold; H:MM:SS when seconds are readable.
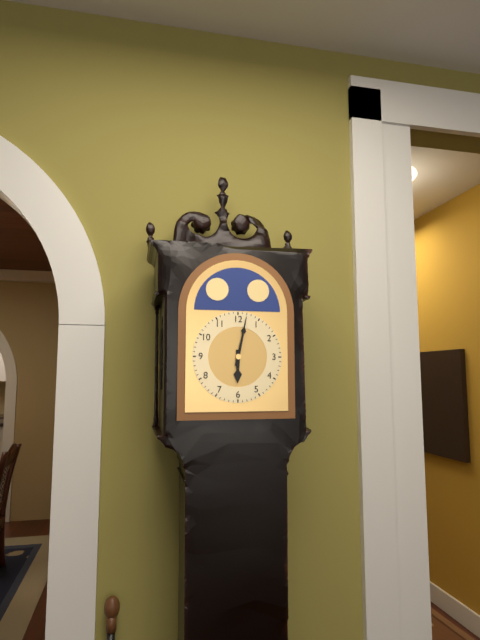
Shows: **6:02**
